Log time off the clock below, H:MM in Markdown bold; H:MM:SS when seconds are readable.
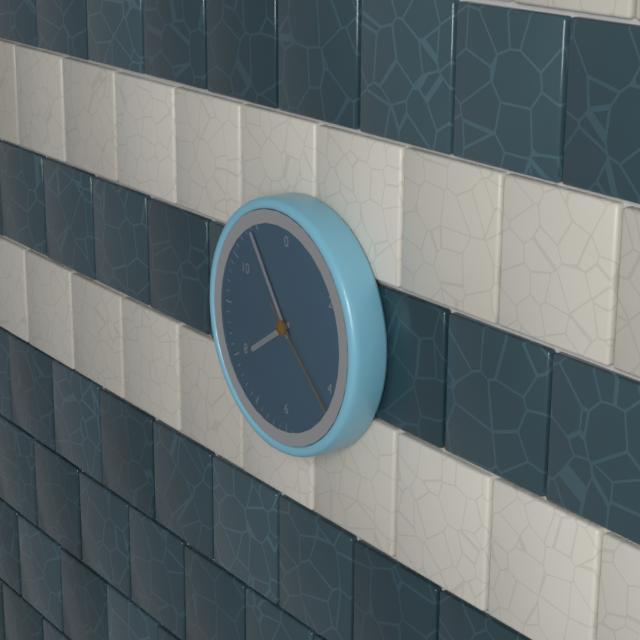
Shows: **7:54:22**
